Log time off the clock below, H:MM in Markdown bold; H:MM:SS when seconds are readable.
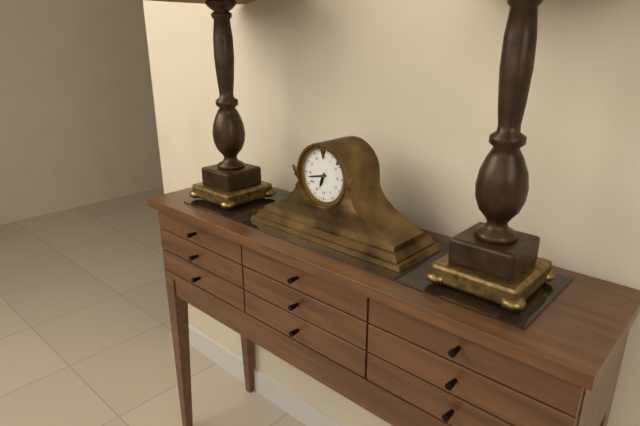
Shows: **6:43**
